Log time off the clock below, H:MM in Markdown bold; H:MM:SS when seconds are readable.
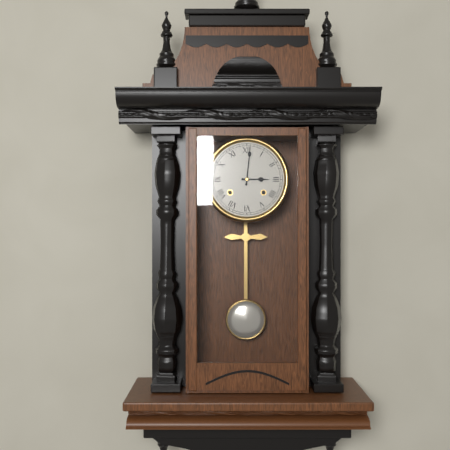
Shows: **3:01**
